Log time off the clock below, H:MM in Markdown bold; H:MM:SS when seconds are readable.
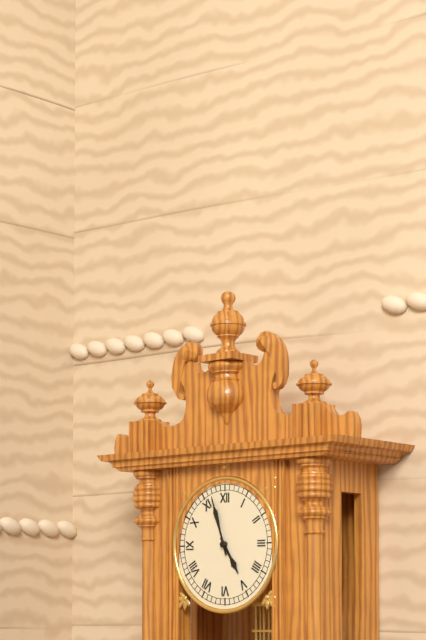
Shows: **4:57**
